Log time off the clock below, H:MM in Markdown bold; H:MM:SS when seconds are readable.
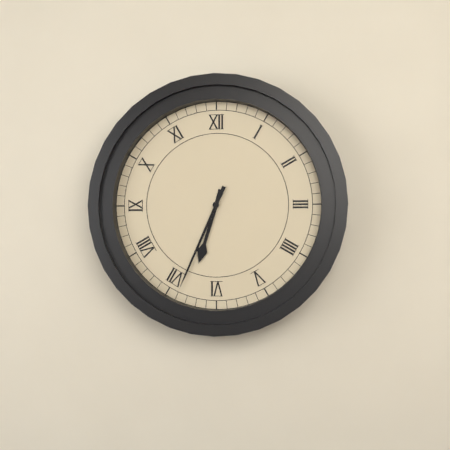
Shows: **6:34**
